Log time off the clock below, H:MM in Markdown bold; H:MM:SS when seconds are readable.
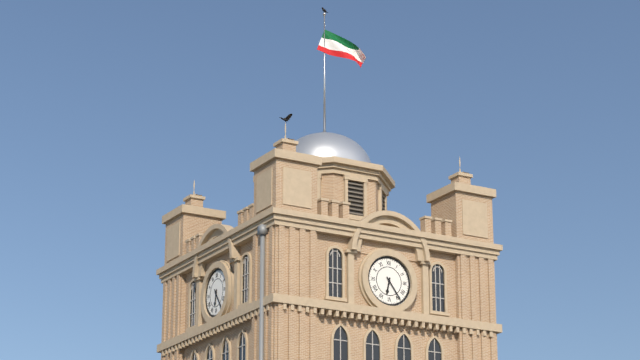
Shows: **6:24**
